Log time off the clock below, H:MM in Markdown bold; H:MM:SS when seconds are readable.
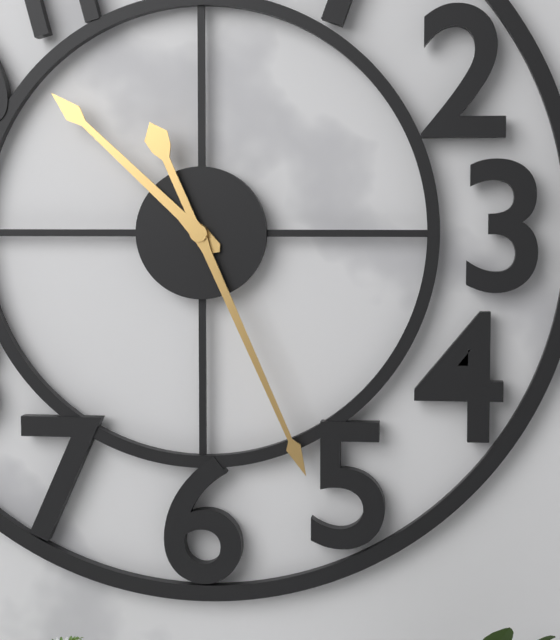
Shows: **10:26**
